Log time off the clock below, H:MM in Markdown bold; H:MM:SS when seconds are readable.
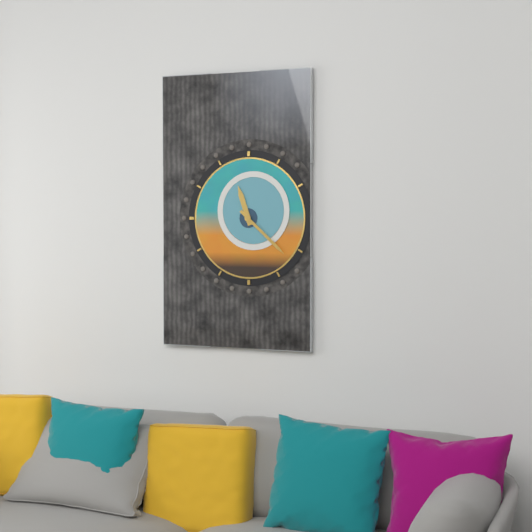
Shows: **11:22**
